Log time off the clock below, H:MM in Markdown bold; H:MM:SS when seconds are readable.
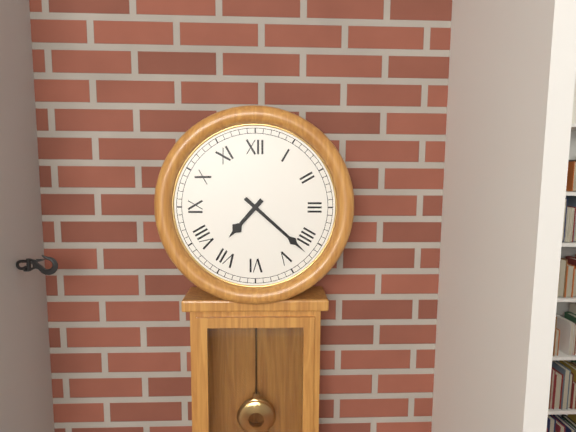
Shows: **7:22**
